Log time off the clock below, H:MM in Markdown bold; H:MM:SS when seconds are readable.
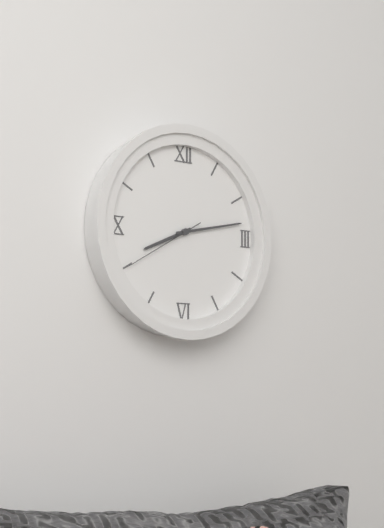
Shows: **8:13:40**
